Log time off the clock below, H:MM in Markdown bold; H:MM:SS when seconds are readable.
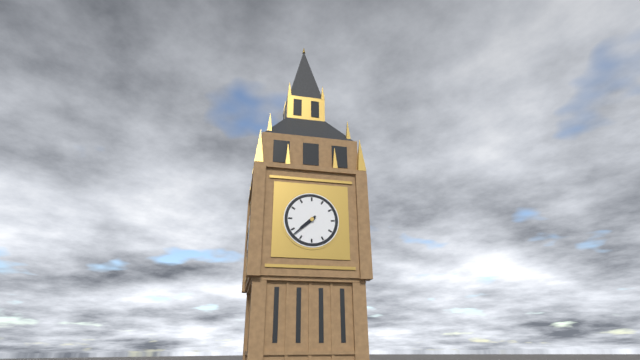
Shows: **7:38**
